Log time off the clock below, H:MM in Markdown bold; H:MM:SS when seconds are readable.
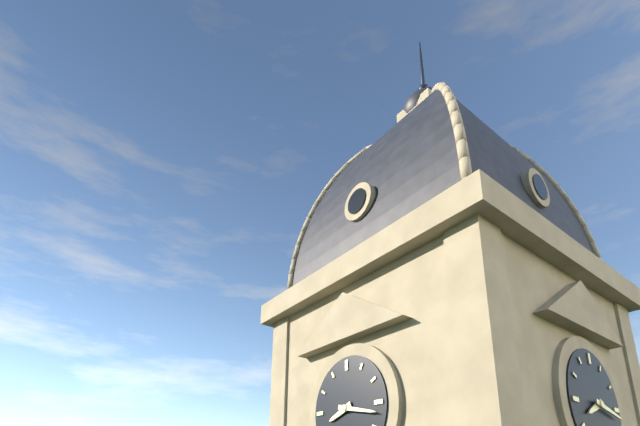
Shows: **8:17**
